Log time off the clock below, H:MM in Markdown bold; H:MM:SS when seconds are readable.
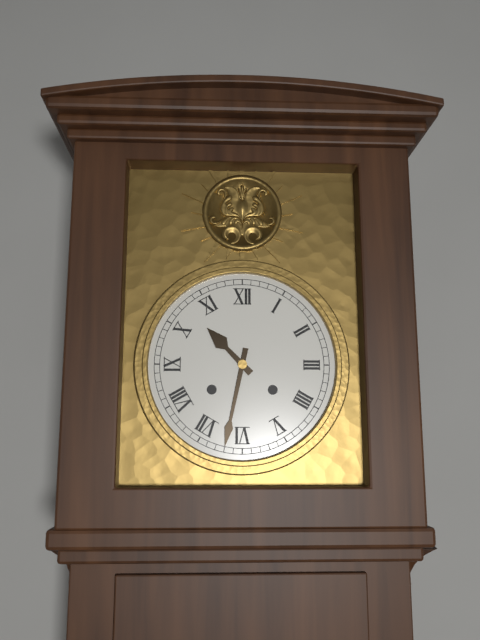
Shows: **10:32**
